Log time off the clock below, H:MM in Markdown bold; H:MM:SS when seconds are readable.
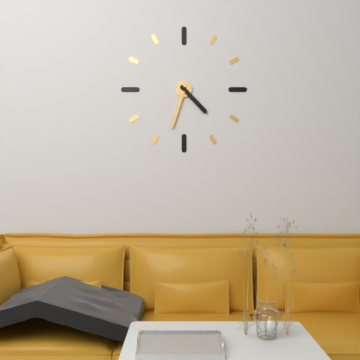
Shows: **4:33**
